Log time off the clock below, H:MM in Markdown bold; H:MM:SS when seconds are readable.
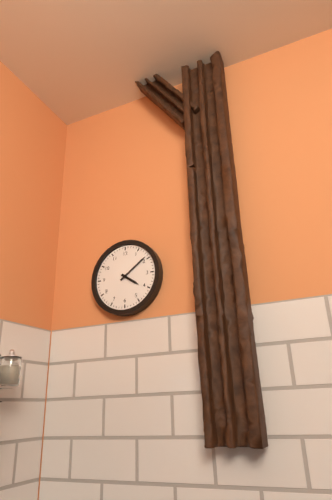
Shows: **4:09**
